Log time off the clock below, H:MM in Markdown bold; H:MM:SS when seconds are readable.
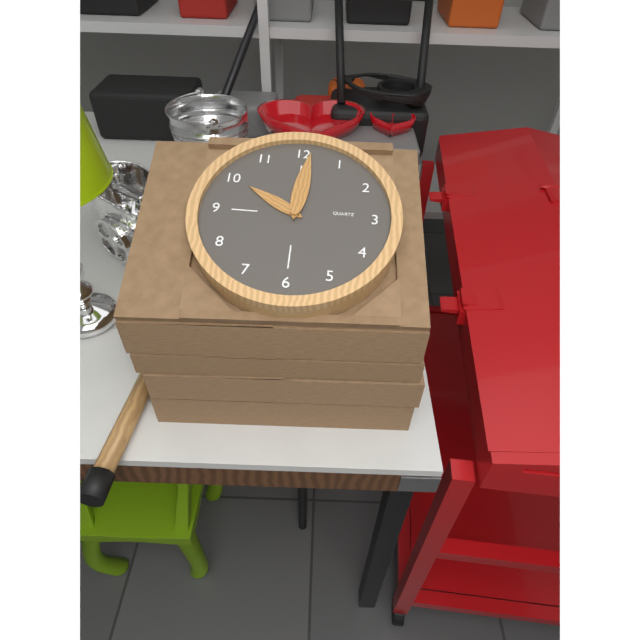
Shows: **10:01**
